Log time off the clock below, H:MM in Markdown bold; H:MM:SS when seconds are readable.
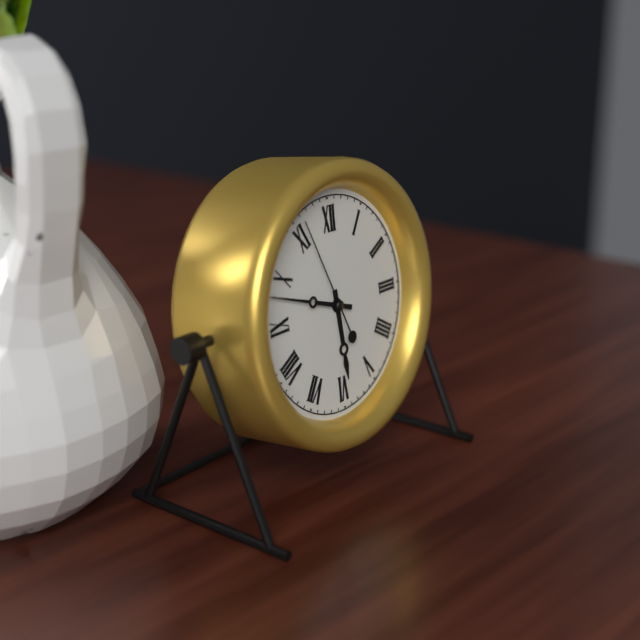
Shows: **5:48:56**
